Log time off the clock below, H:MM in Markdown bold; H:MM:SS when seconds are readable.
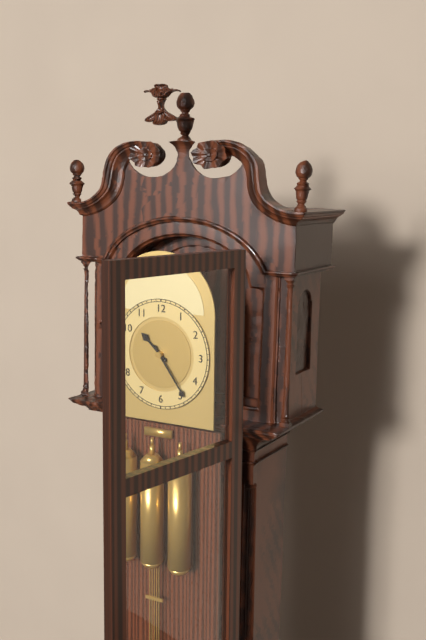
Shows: **10:24**
